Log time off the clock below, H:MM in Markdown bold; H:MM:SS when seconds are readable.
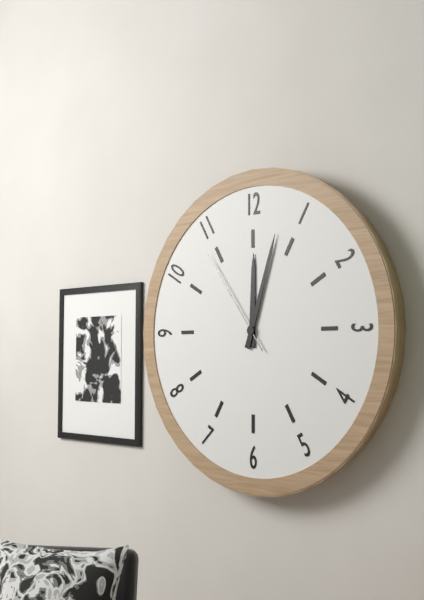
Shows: **12:03:54**
